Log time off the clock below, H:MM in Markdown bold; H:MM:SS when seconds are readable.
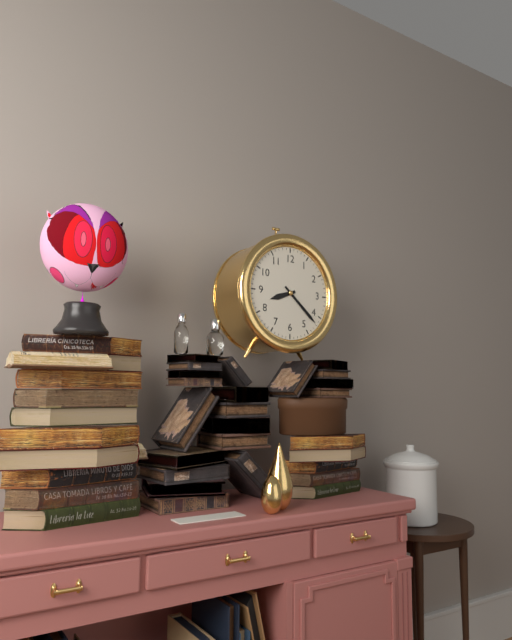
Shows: **8:22**
